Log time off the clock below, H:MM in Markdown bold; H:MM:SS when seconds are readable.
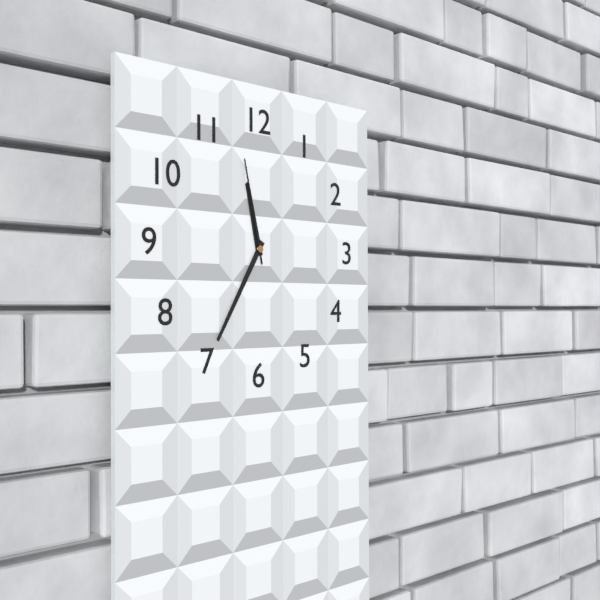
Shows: **11:35:58**
